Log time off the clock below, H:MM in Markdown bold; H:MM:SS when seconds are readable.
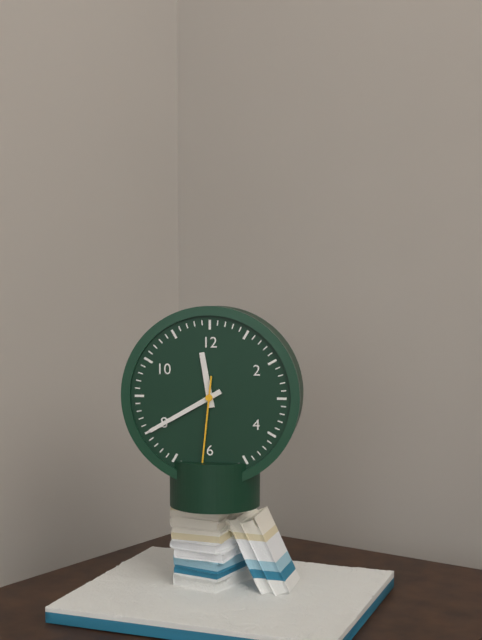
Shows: **11:40:31**
